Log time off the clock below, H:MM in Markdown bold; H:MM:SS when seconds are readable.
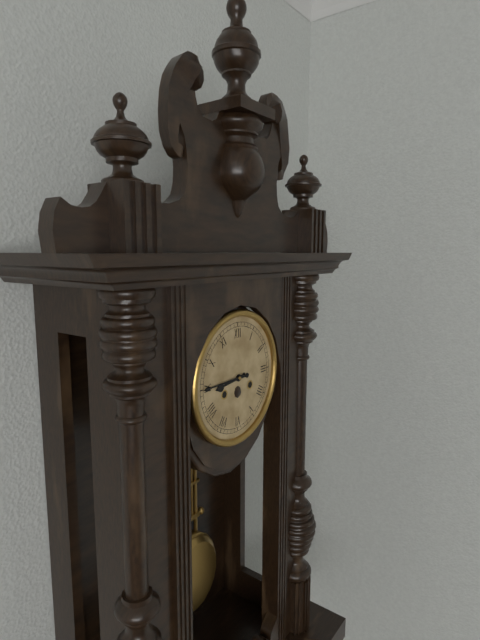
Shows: **8:45**
